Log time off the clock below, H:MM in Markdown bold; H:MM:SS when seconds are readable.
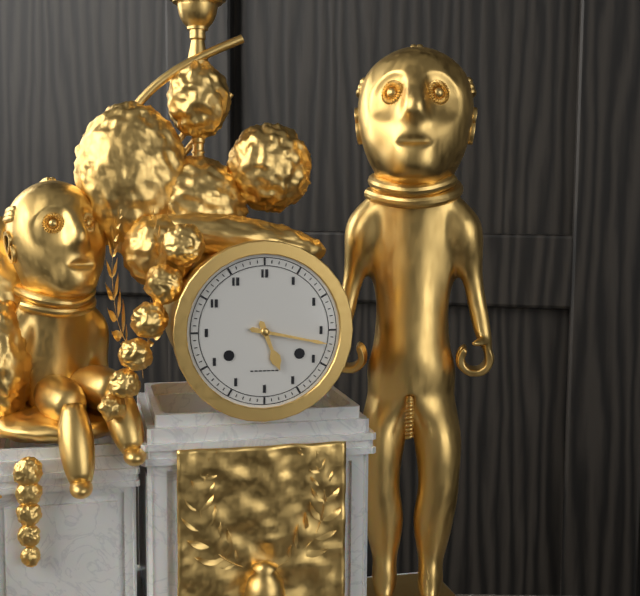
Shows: **5:17**
